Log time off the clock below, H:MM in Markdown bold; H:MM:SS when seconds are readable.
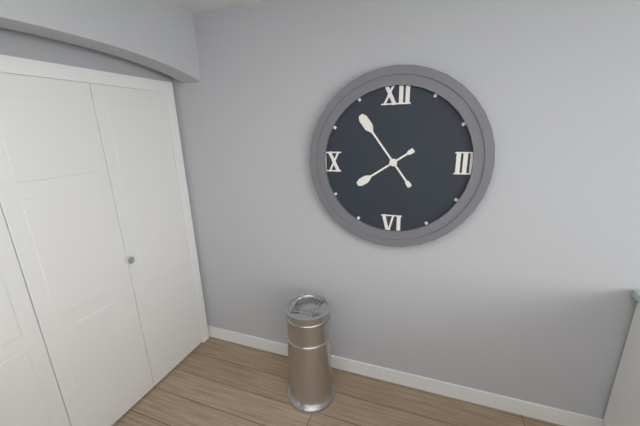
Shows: **7:54**
